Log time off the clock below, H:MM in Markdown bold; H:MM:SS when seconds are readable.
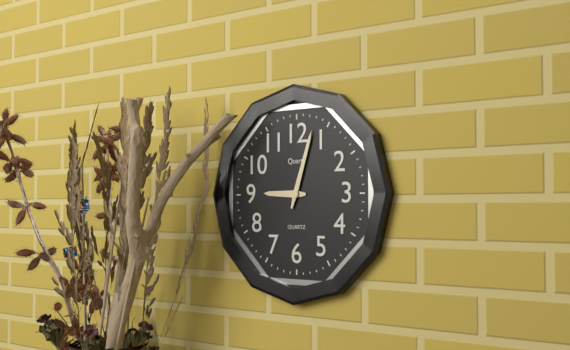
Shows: **9:03**
